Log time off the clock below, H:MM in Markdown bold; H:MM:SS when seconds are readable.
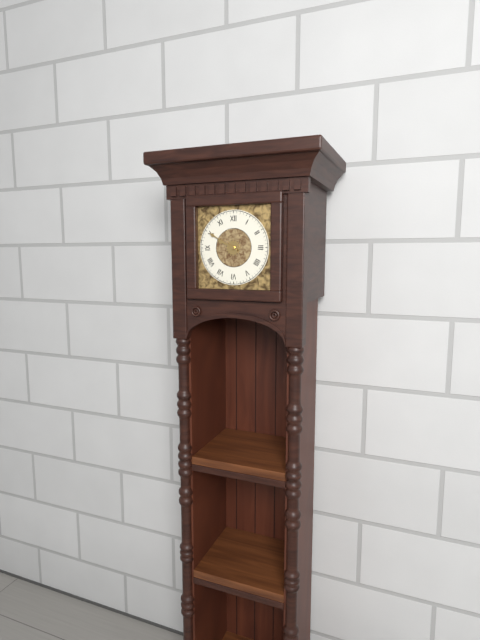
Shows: **9:50**
